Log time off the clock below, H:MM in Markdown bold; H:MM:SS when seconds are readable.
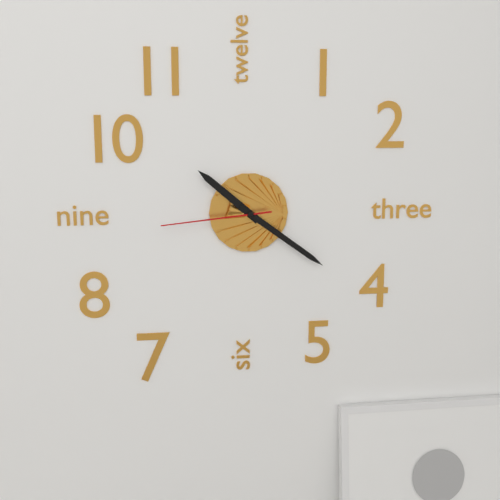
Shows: **10:21:44**
